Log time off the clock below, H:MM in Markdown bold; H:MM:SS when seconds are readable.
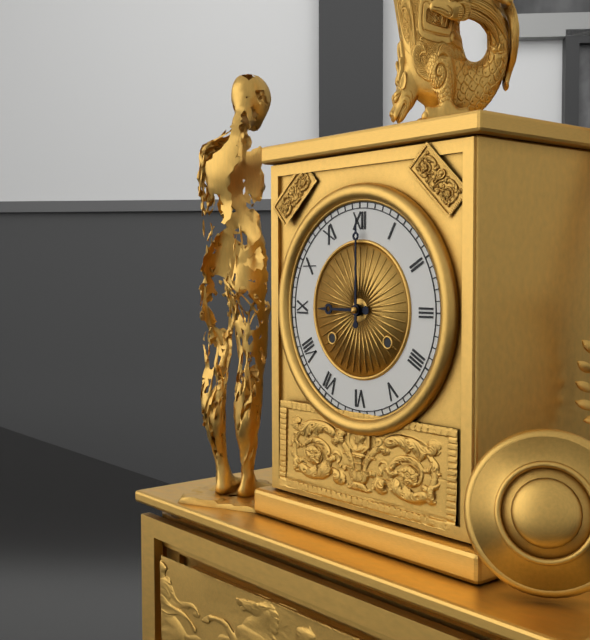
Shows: **9:00**
